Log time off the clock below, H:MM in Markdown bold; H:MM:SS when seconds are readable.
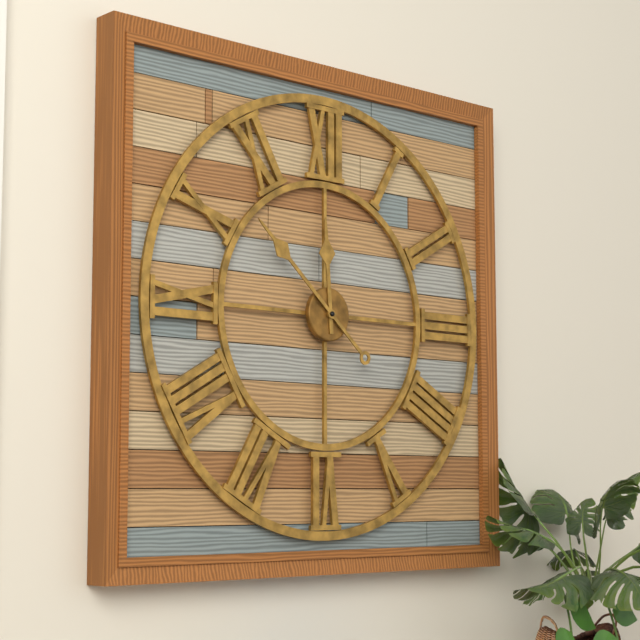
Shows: **11:52**
